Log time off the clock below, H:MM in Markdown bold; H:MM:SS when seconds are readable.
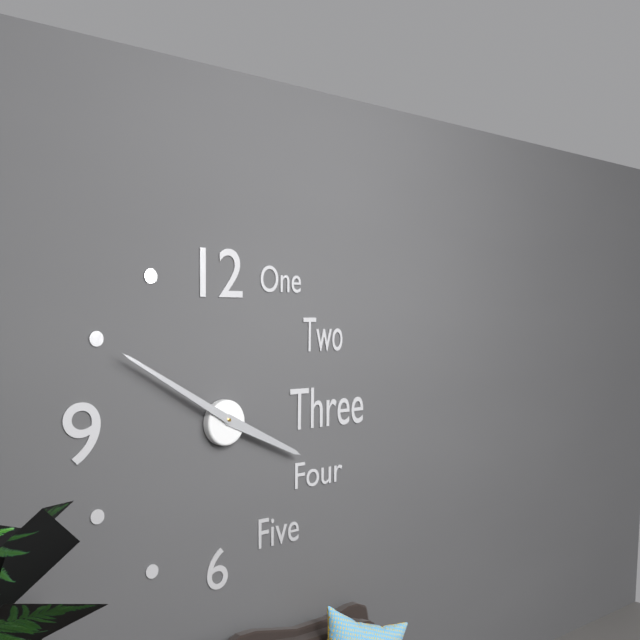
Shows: **3:50**
